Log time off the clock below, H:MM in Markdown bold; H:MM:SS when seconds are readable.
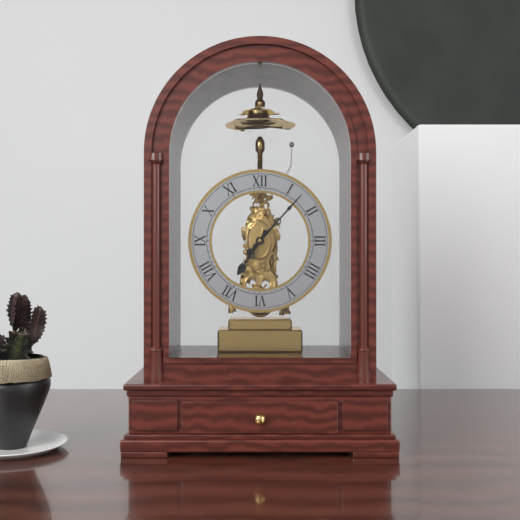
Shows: **7:07**
